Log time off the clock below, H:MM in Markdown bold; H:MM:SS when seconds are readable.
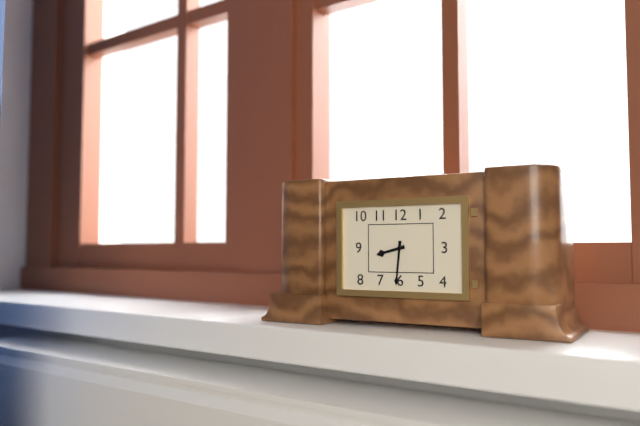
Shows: **8:31**
